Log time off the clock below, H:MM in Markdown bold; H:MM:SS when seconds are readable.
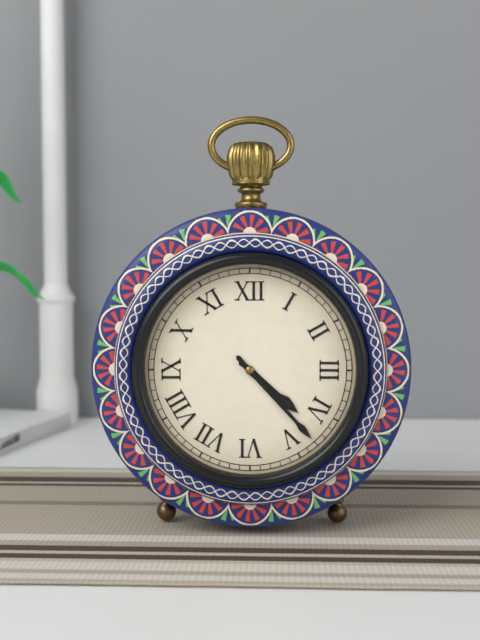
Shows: **4:23**
